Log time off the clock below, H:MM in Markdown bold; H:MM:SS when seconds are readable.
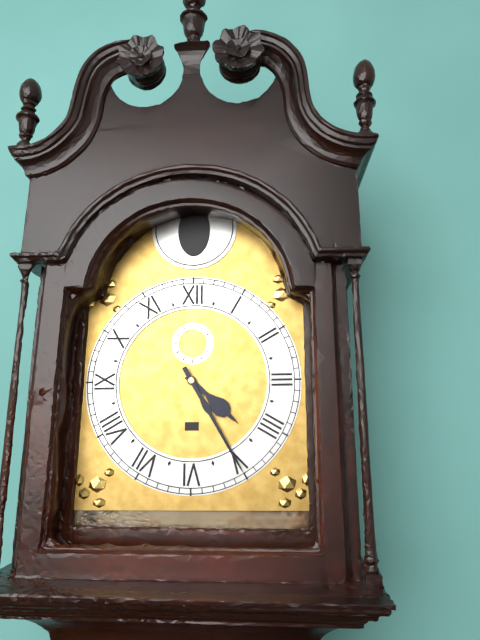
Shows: **4:25**
